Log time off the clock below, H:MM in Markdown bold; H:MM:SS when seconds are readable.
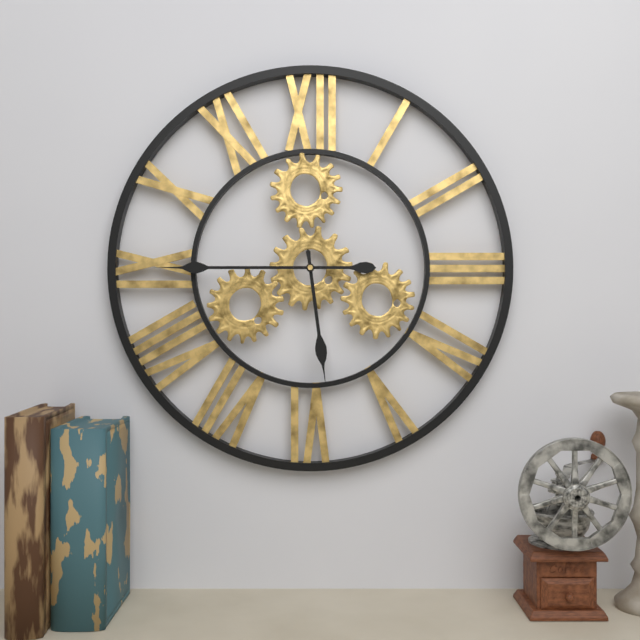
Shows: **5:45**
